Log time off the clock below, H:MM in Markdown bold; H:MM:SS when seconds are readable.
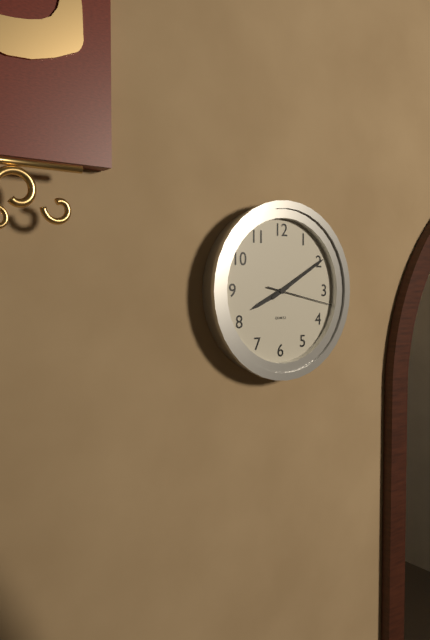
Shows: **8:10:17**
